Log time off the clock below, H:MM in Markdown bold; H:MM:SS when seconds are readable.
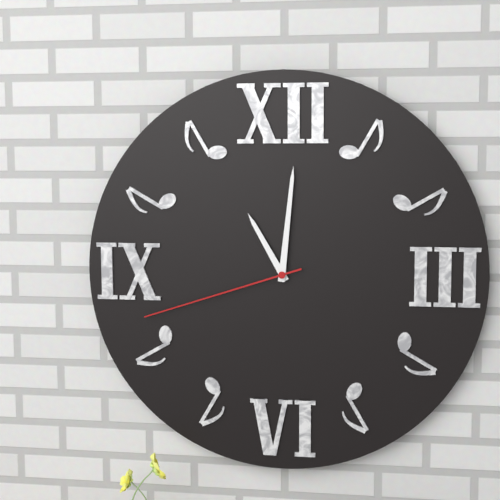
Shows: **11:01:42**
